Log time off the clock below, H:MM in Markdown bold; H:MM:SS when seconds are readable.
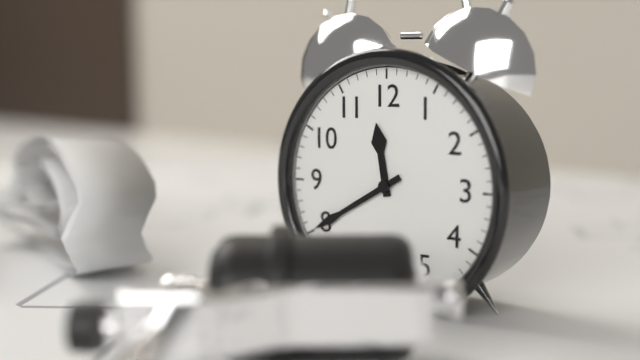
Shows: **11:40**
